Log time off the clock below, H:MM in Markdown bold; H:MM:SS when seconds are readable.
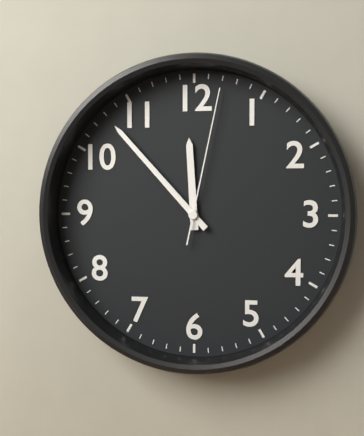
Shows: **11:53:02**
